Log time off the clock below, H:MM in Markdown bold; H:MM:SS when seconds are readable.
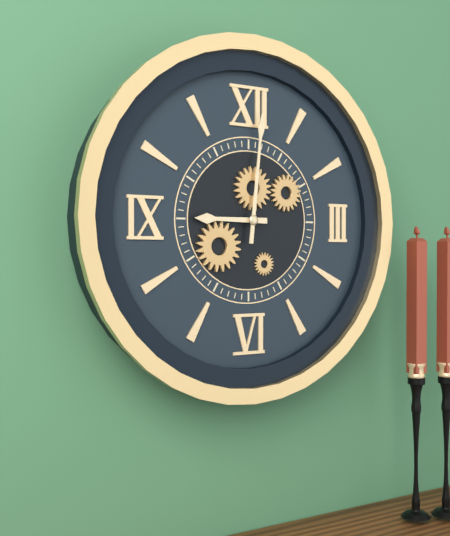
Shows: **9:01**
